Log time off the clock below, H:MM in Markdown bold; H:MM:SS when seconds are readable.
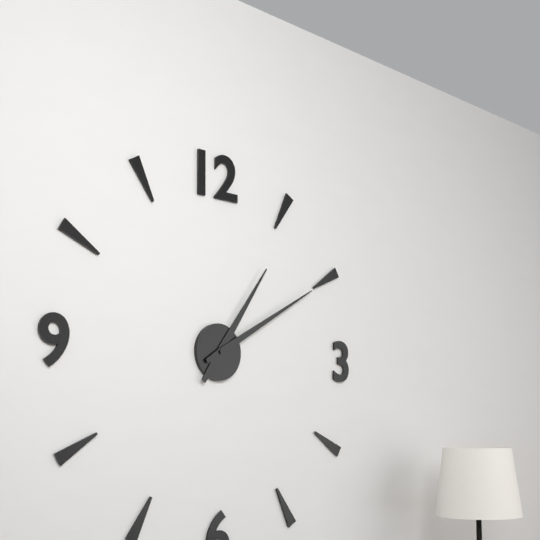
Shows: **1:10**
